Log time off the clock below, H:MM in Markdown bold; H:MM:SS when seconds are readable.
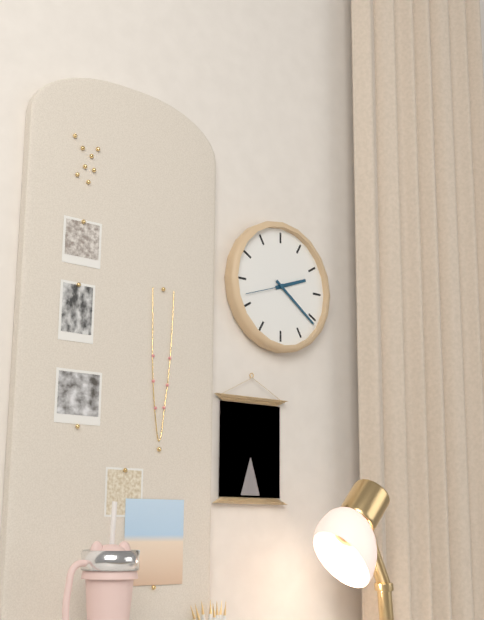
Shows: **2:21**
